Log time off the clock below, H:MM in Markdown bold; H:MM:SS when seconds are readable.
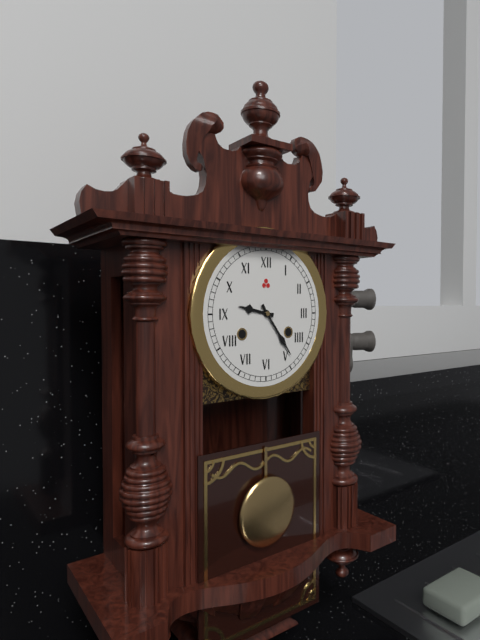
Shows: **9:24**
